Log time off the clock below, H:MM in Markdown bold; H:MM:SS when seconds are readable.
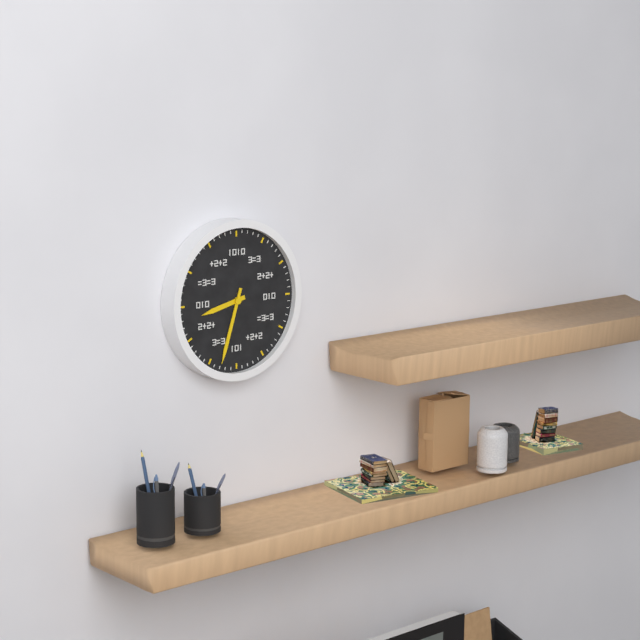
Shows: **8:33**
